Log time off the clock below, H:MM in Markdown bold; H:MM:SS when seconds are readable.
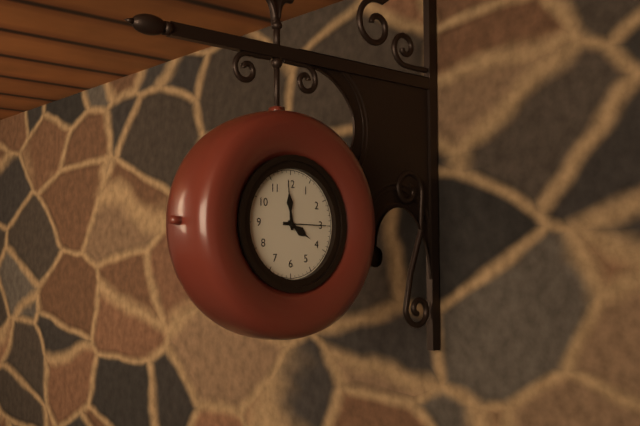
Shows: **3:59:15**
